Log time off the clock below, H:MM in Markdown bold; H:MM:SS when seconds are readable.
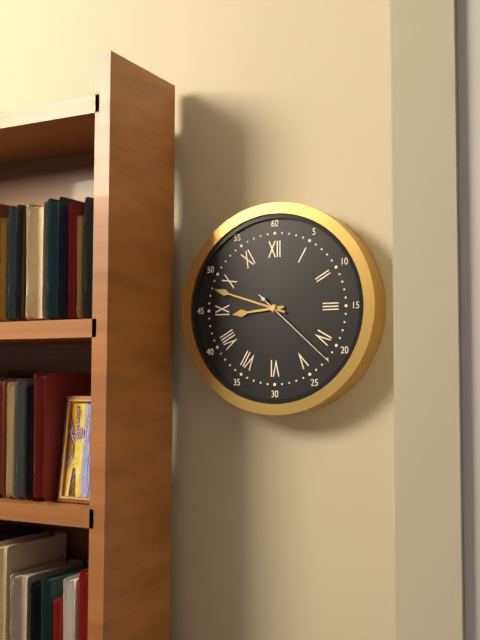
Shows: **8:48:22**
